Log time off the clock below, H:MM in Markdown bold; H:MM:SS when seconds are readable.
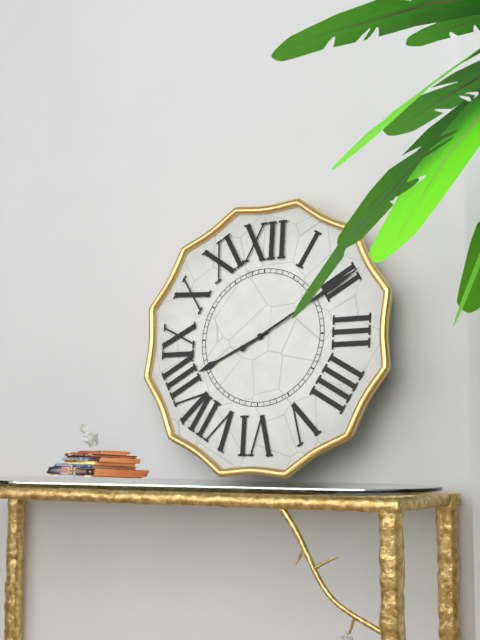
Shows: **8:10**
